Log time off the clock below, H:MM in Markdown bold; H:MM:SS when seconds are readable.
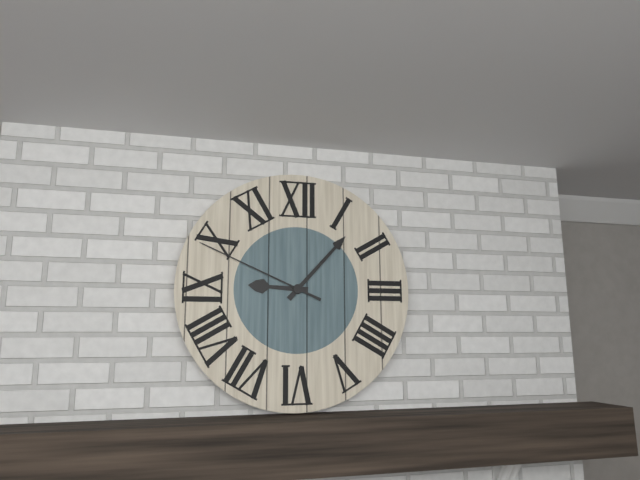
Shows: **9:07:49**
